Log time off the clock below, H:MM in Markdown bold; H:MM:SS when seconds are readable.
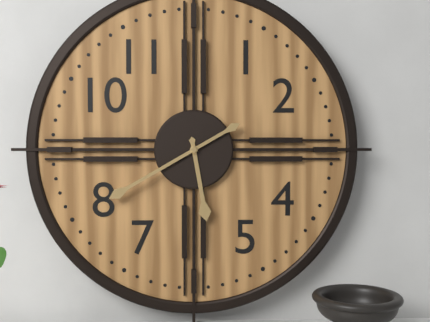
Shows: **5:40**
